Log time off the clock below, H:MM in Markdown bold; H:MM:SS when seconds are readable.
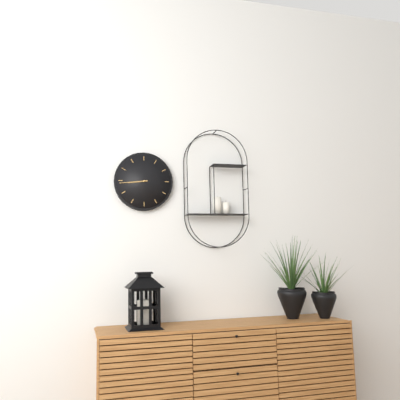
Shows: **8:44**
